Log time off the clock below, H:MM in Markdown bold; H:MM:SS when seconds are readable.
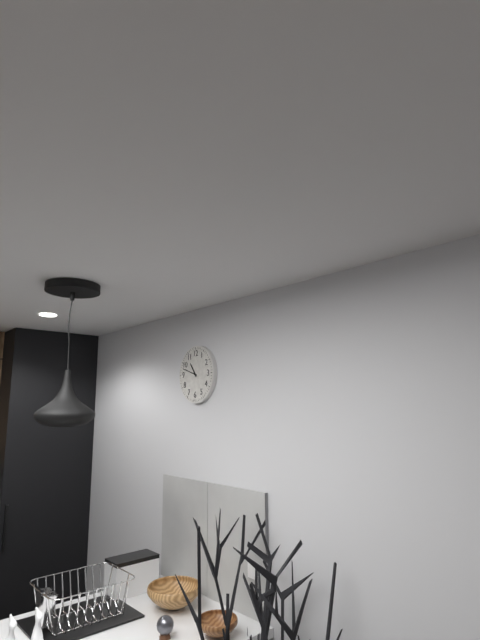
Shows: **10:48**
